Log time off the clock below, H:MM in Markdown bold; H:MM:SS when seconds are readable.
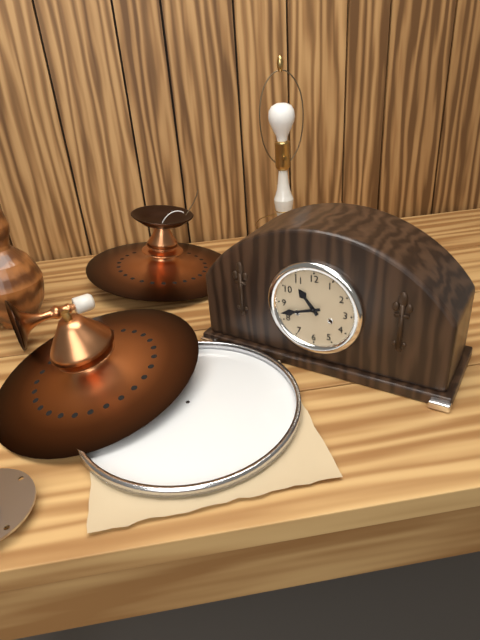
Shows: **10:42**
